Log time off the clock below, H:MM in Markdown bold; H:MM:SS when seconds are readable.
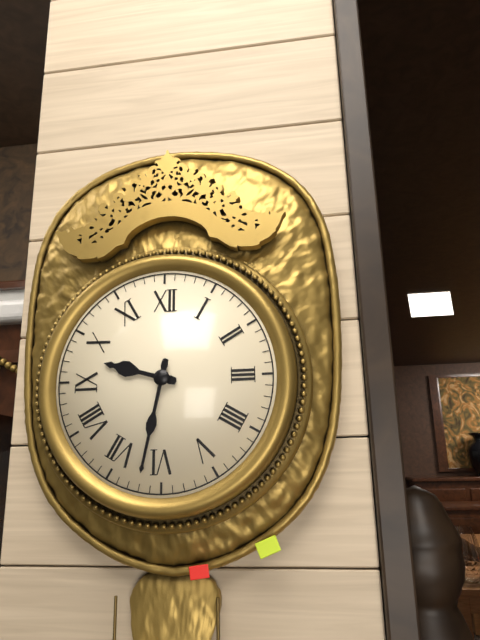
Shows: **9:32**
